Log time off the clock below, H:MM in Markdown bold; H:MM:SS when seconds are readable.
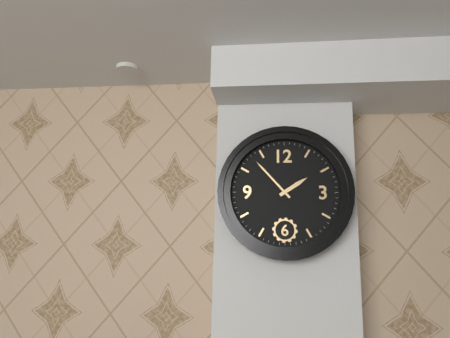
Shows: **1:53**
